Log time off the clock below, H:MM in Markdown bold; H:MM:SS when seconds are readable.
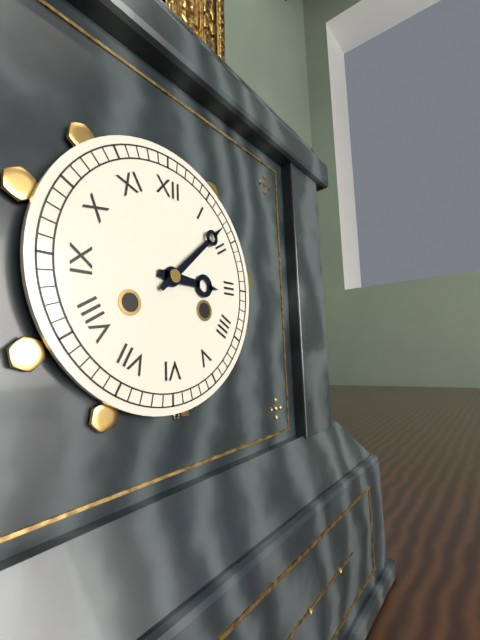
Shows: **3:08**
